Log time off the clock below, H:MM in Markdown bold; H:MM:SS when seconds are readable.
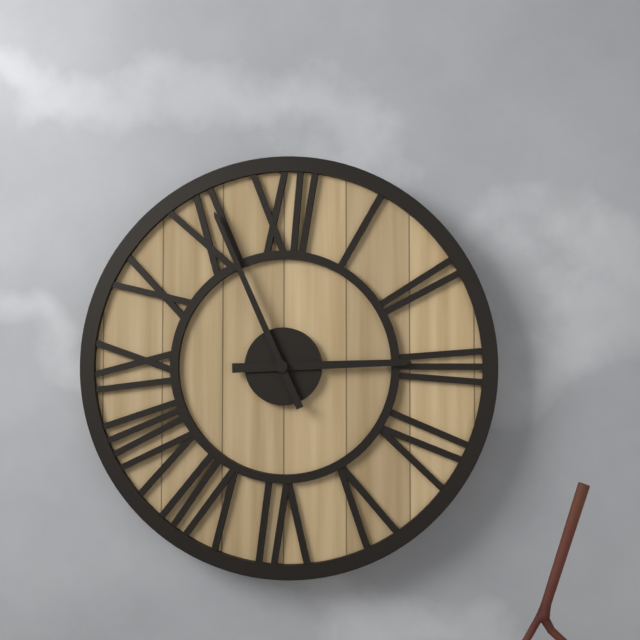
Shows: **2:56**
